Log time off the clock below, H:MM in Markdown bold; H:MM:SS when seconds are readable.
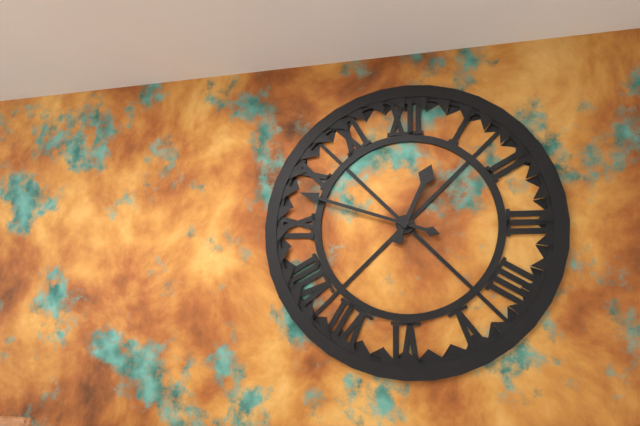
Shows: **12:48**
